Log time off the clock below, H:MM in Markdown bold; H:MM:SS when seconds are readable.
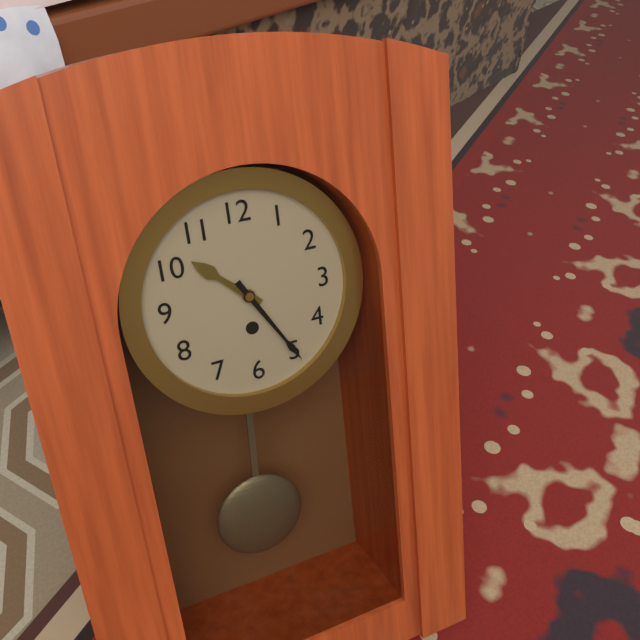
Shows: **10:25**
